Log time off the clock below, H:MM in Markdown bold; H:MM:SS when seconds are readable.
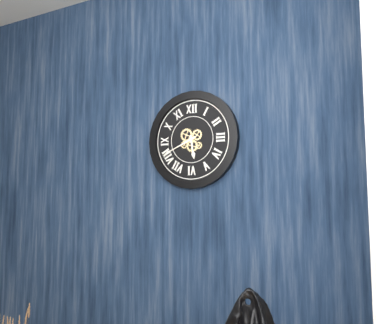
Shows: **5:41**
